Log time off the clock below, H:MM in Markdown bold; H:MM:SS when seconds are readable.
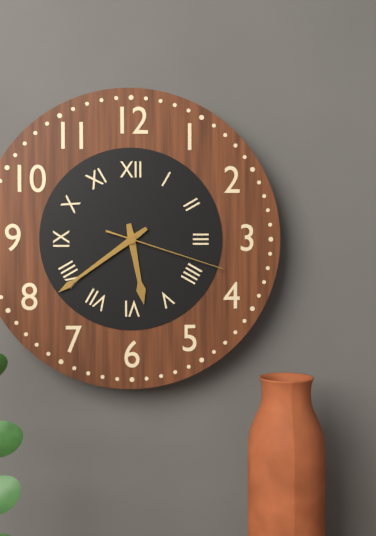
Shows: **5:39:18**
